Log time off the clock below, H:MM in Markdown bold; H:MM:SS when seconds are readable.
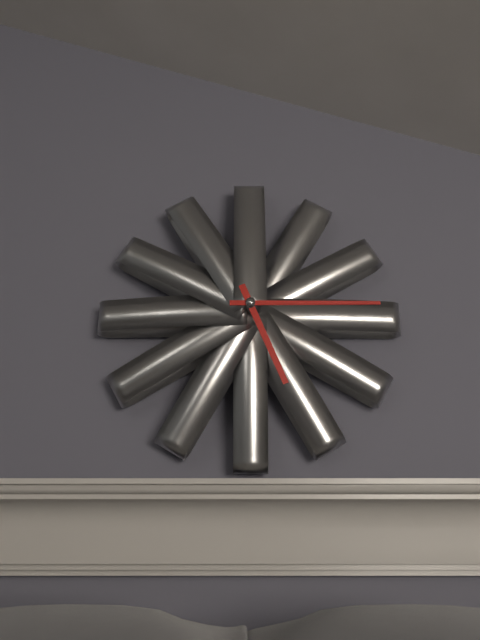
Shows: **5:15**
